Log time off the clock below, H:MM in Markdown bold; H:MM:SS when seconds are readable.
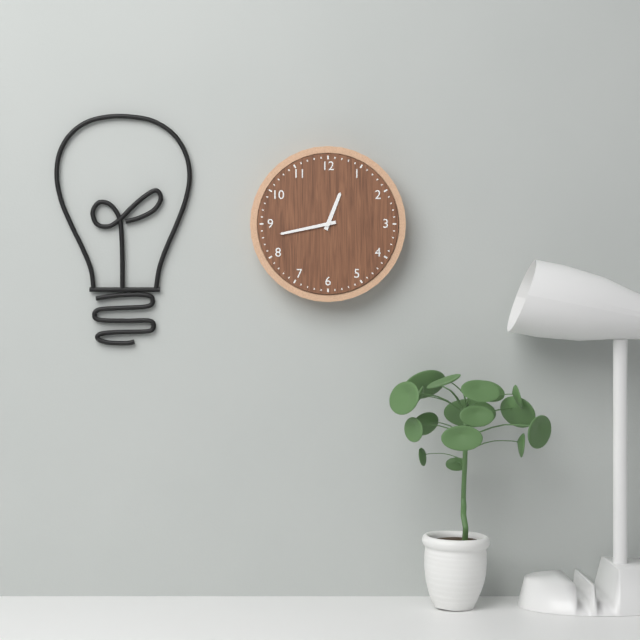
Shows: **12:43**
